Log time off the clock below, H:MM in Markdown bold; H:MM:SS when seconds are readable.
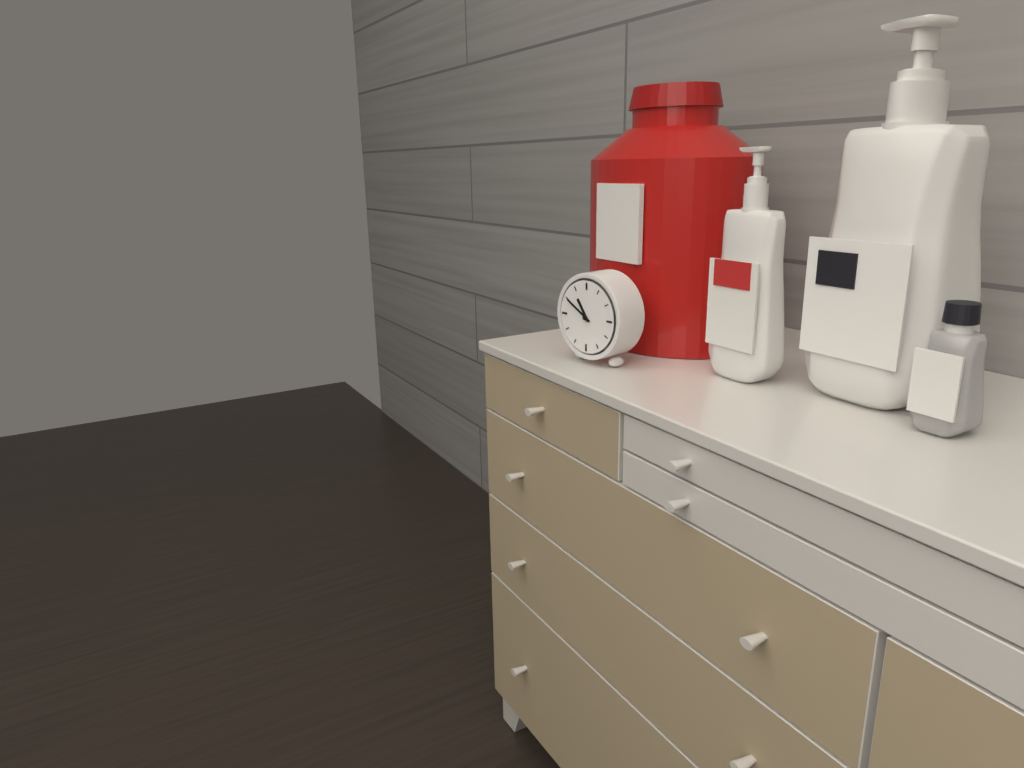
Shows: **10:50**
